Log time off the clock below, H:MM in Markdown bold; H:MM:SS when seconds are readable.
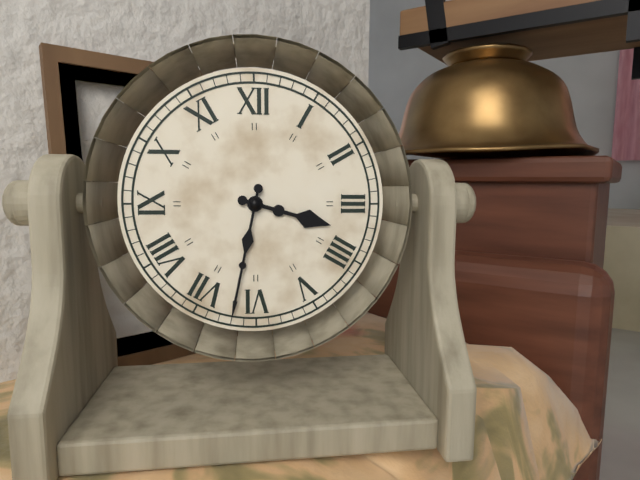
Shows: **3:32**
